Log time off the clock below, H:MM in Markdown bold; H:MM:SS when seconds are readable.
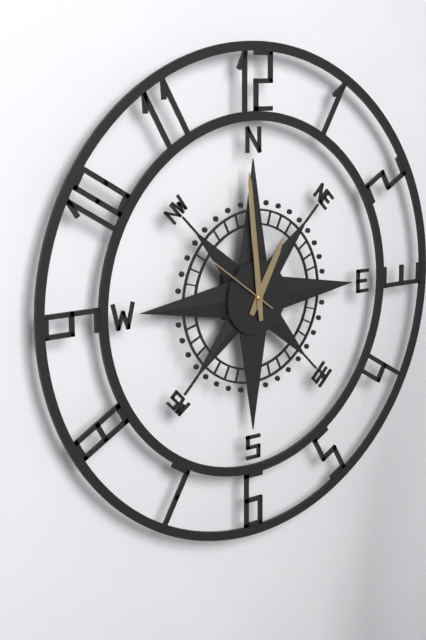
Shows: **12:59:51**
